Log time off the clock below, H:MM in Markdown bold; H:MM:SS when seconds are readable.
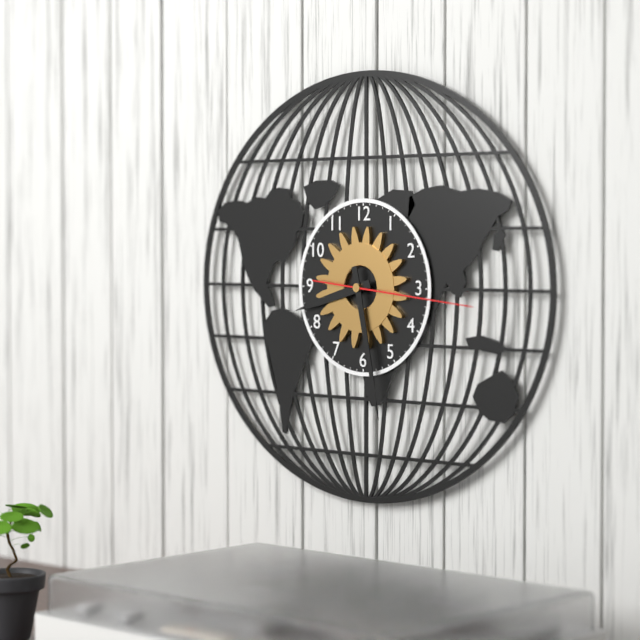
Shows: **8:28:16**
